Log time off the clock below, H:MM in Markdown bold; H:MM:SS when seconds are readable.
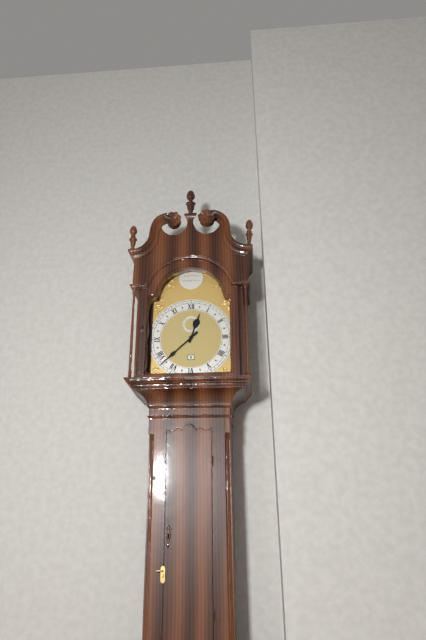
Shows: **12:38**
